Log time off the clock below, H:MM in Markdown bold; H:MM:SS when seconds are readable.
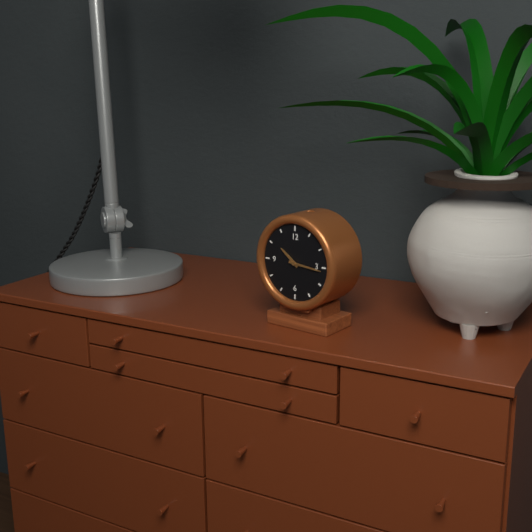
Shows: **10:16**
